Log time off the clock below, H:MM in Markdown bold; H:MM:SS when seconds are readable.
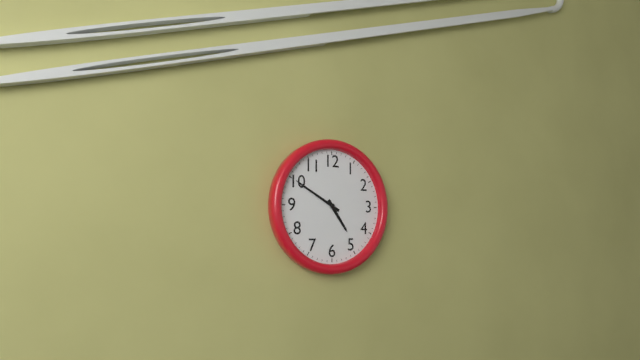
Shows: **4:50**
